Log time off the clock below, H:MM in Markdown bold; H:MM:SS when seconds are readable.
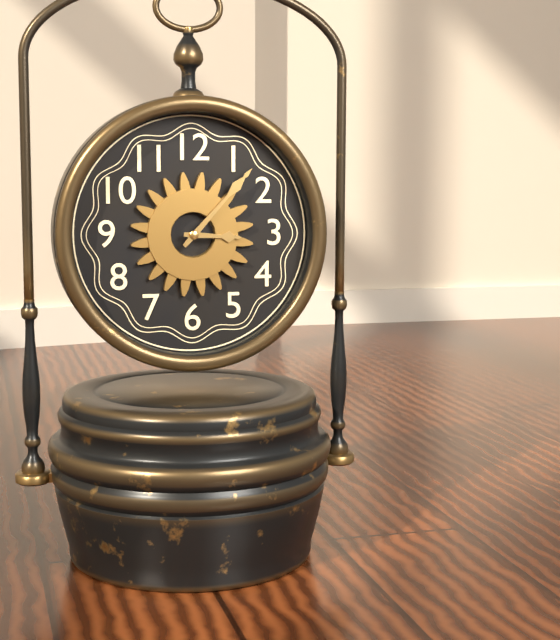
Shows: **3:07**
